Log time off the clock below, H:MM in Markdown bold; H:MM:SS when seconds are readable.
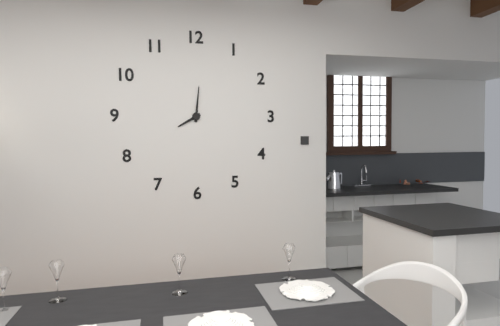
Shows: **8:01**
